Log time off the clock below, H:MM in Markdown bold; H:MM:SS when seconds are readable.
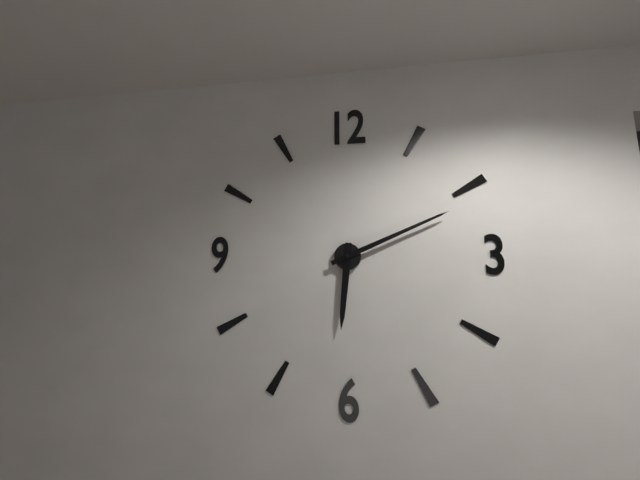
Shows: **6:11**
